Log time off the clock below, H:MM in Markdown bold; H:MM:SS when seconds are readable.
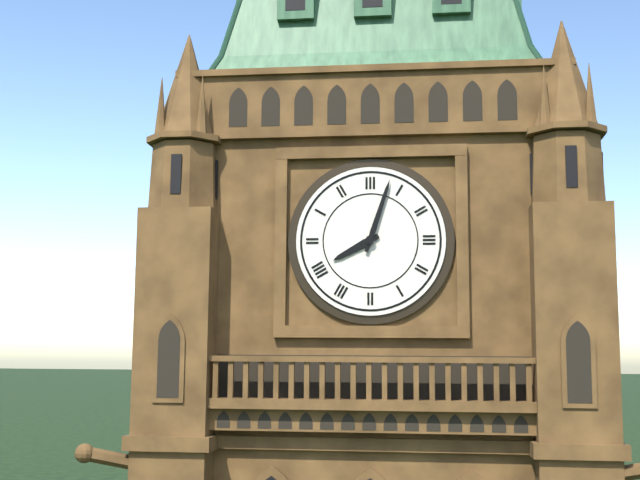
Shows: **8:03**
